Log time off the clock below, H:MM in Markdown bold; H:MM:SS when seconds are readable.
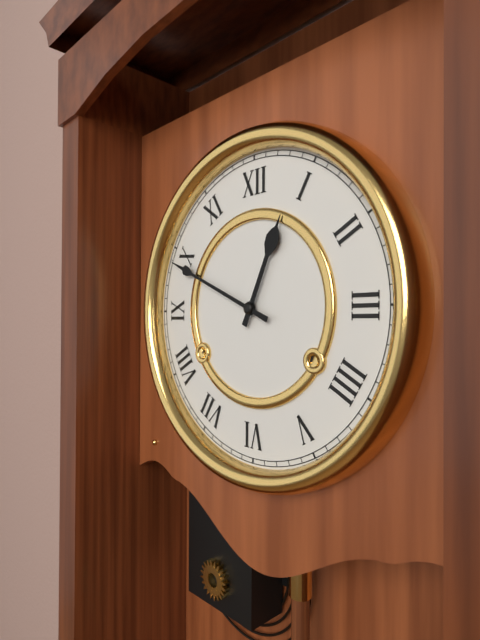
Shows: **12:49**
